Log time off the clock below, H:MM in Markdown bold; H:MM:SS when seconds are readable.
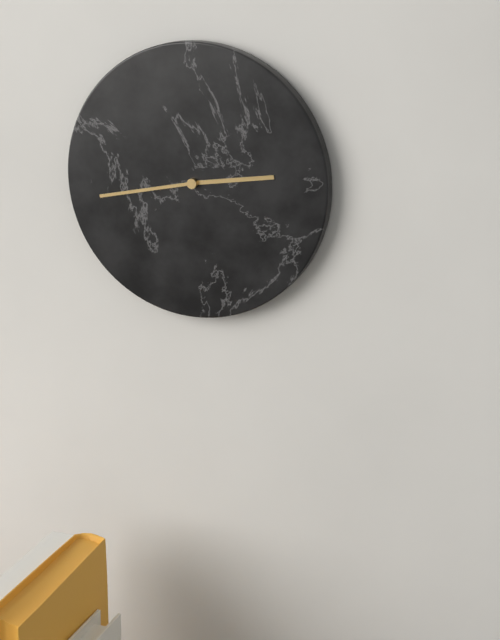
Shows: **2:43**
